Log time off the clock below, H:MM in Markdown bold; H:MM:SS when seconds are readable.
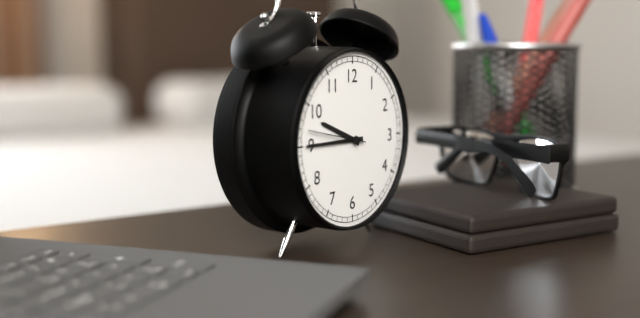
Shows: **9:45:47**
